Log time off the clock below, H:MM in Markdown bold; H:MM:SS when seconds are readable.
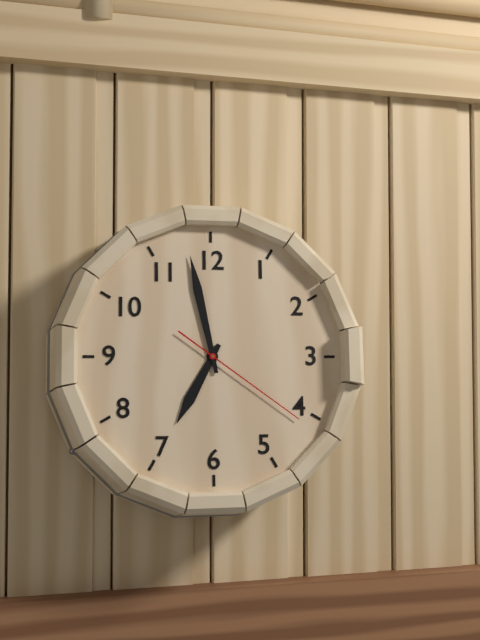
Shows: **6:58:21**
